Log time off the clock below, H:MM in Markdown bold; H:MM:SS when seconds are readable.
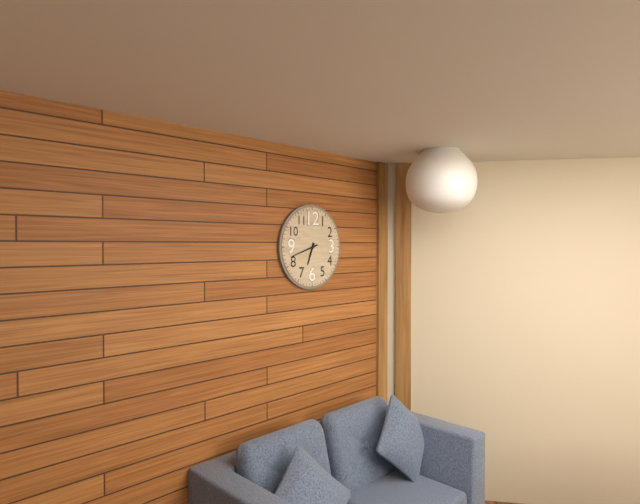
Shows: **6:42**
